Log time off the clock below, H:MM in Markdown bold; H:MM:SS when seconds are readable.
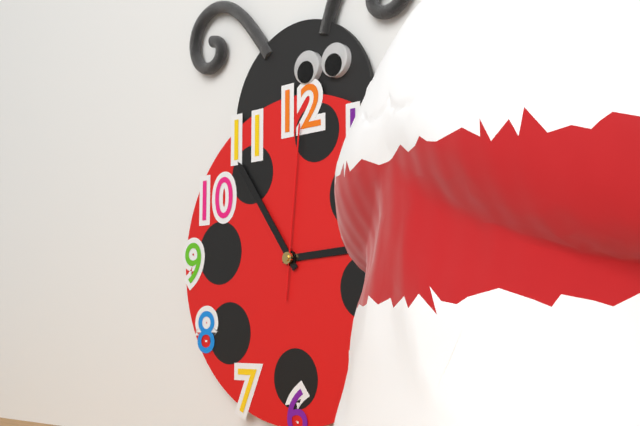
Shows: **2:54:01**
